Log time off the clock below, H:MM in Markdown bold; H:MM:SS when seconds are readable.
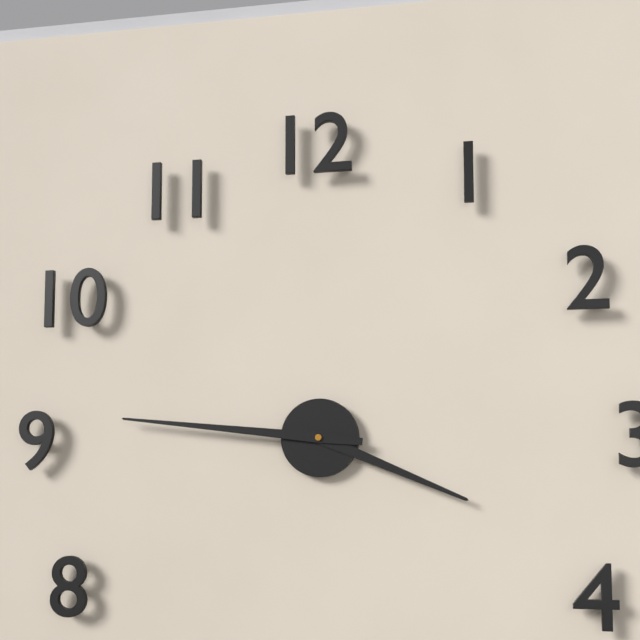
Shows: **3:46**
